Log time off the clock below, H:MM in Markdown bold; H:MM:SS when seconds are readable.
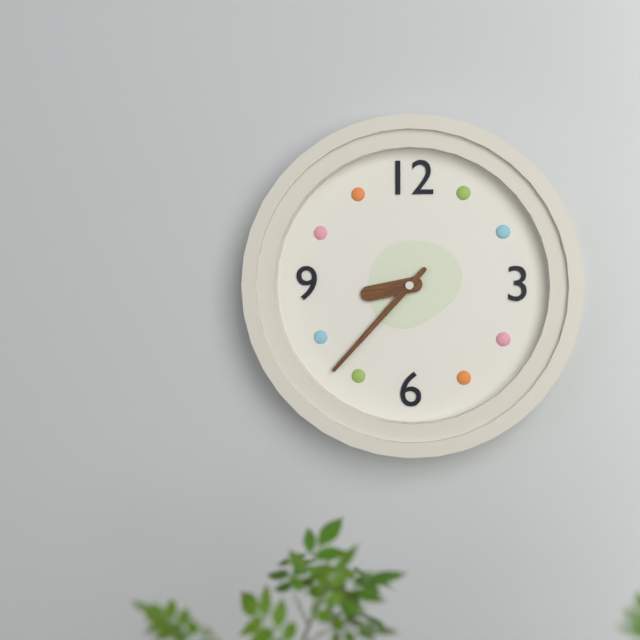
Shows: **8:37**
